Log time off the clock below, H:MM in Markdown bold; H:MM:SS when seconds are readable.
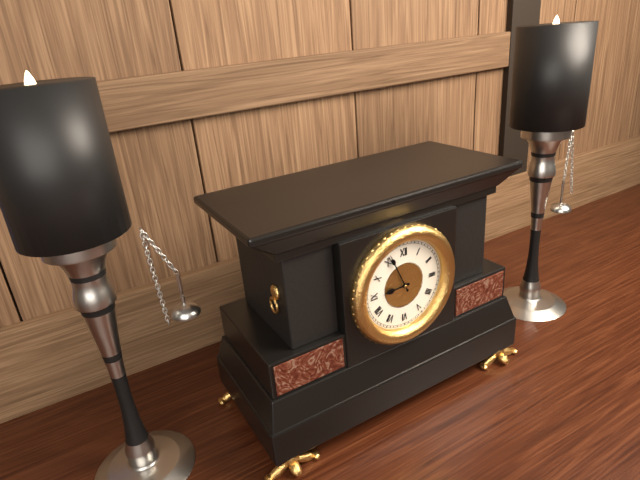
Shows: **8:56**
